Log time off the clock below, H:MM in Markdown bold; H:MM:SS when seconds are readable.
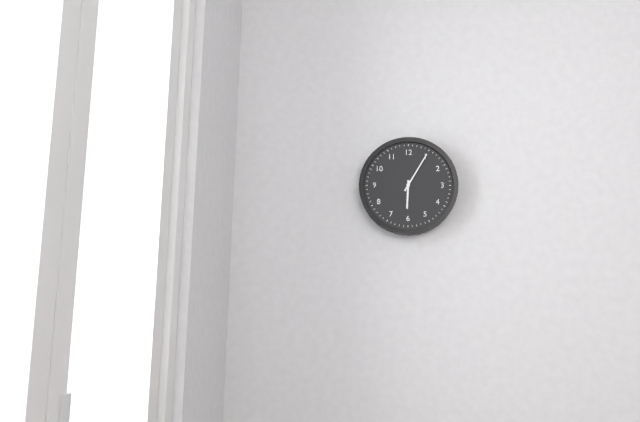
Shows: **6:05**
